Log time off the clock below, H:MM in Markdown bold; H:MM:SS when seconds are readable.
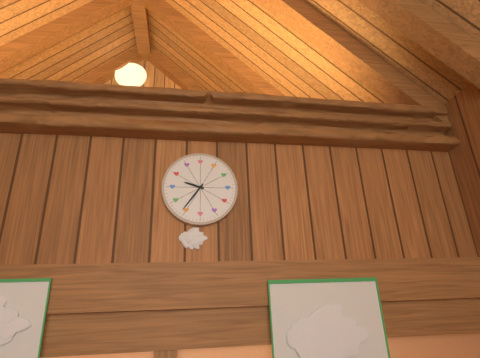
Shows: **9:36**
